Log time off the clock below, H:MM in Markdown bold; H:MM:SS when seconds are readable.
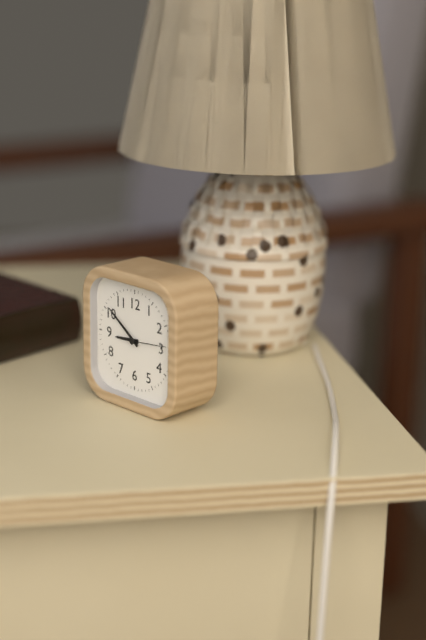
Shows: **8:51**
